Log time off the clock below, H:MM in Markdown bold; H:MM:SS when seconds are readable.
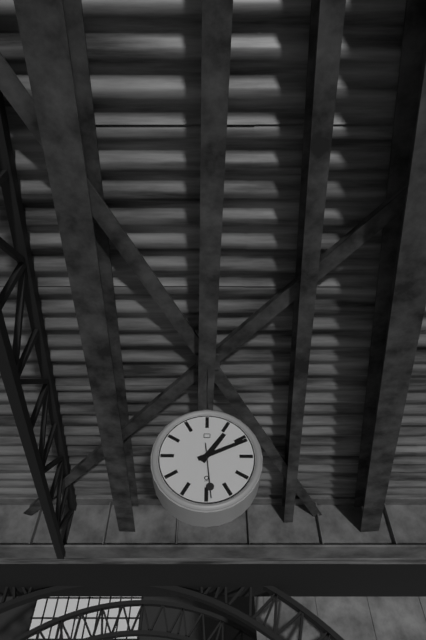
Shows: **1:11:29**
